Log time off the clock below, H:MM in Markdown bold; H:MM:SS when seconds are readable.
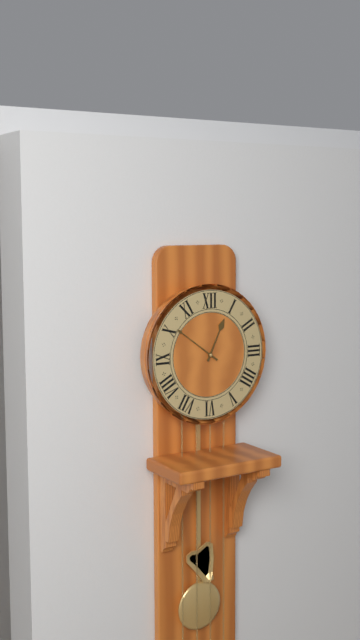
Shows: **12:51**
